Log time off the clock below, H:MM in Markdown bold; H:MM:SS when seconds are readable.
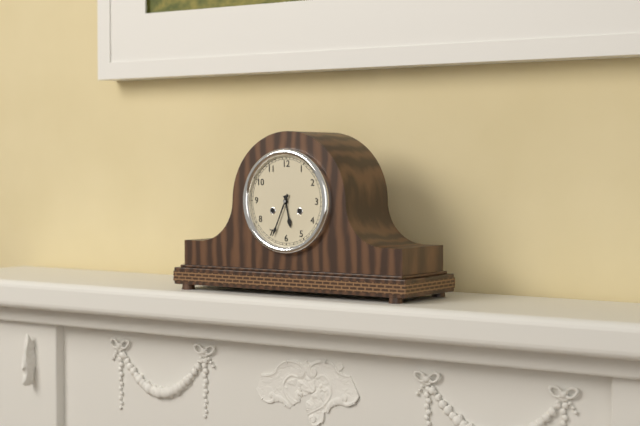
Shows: **5:34**
